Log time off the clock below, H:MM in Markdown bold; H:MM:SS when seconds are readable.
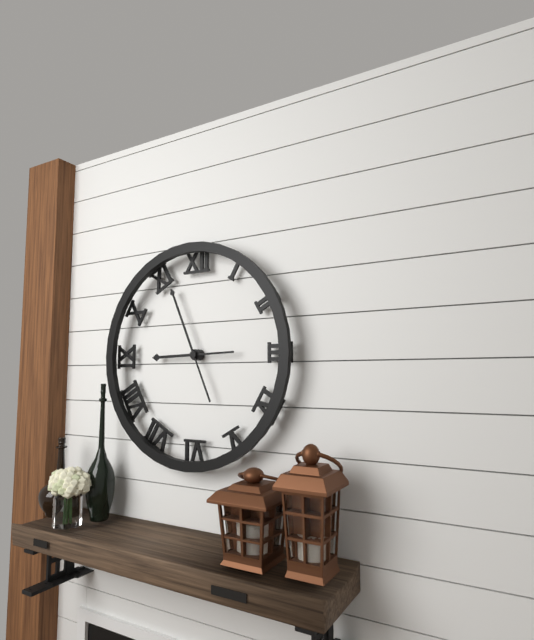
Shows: **8:56**
